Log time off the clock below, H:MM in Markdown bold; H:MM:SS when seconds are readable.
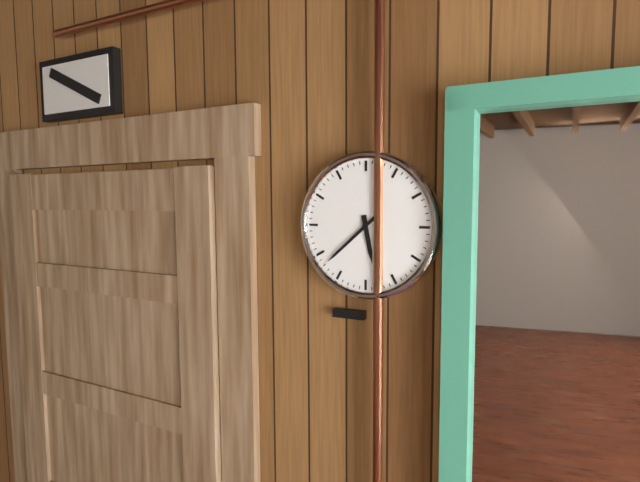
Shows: **5:38**
